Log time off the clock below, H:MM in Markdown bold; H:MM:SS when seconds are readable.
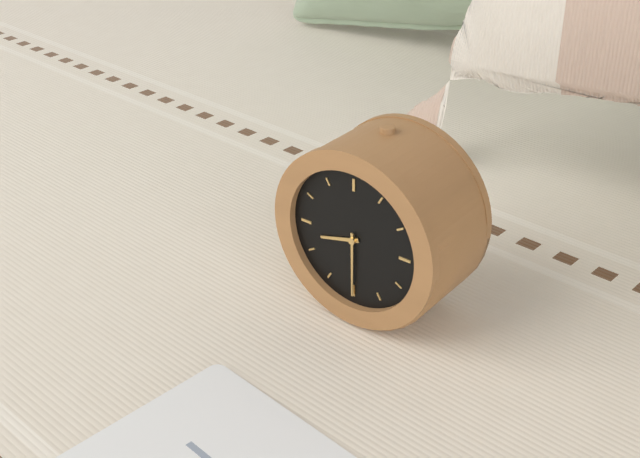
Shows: **8:30**
